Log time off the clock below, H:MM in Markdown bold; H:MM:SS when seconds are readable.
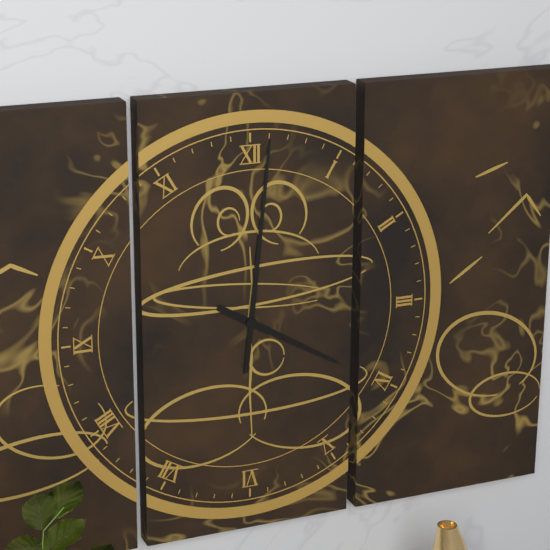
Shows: **4:01**
